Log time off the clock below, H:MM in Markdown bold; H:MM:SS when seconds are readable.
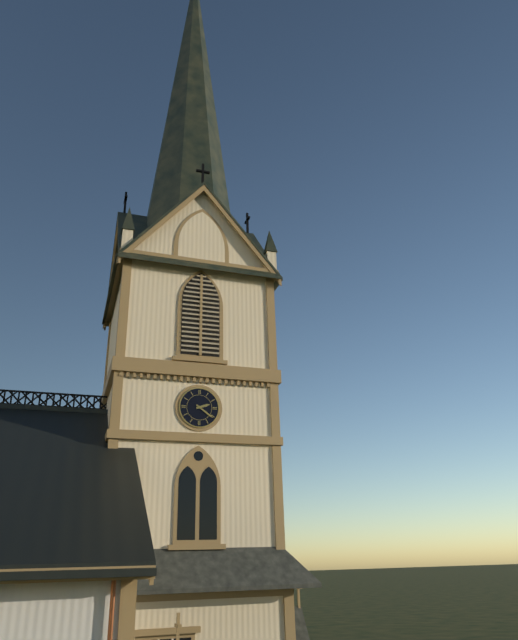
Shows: **2:21**
